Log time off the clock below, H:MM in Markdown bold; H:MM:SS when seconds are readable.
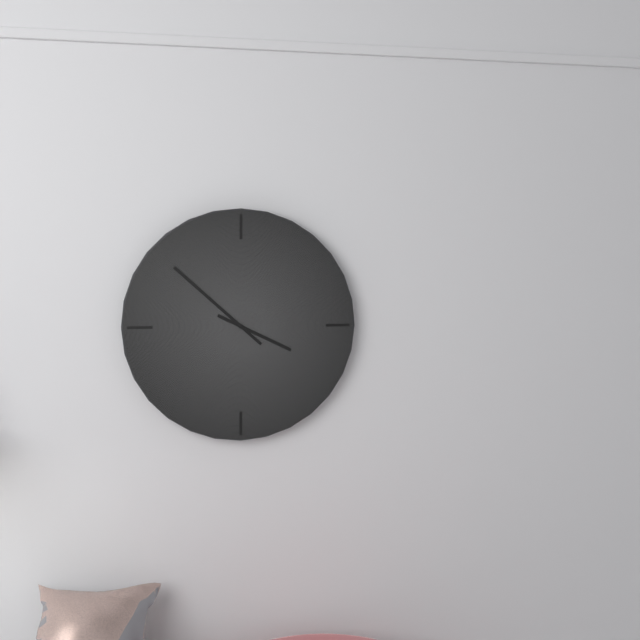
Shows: **3:52**
